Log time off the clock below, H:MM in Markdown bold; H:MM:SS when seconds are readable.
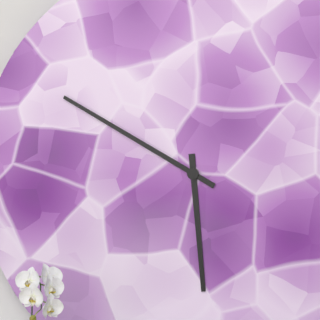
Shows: **5:50**
